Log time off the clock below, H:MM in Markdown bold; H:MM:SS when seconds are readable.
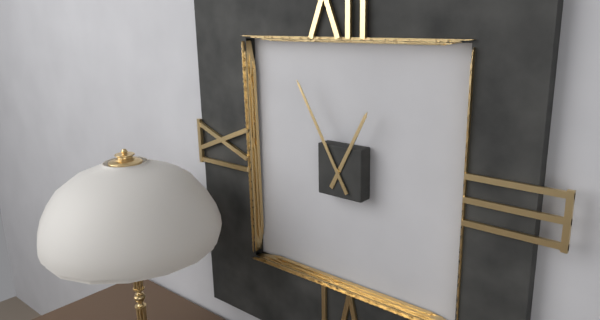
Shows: **12:55**
